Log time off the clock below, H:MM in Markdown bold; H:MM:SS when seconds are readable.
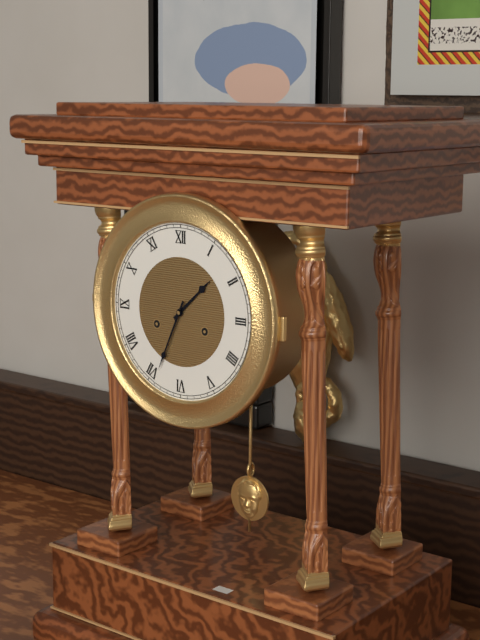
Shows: **1:34**
